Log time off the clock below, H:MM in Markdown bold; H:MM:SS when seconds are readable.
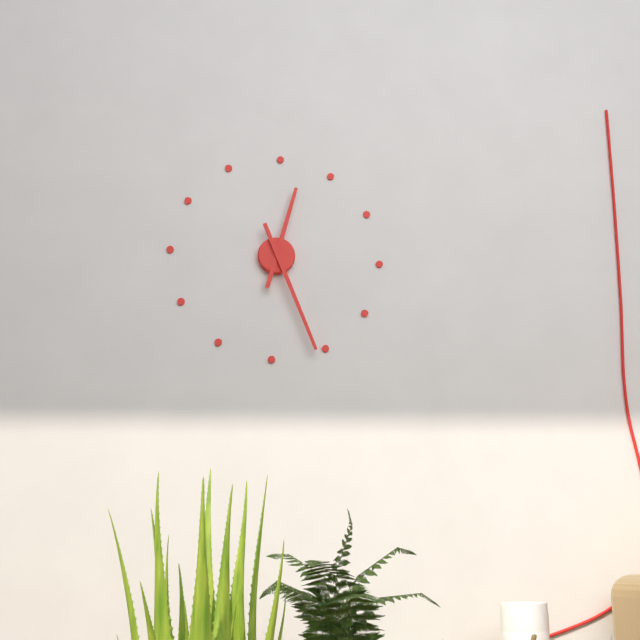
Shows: **12:26**
